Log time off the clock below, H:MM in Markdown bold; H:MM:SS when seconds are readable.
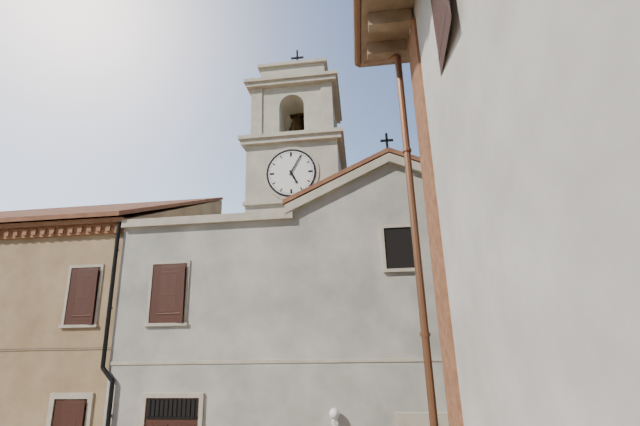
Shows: **5:05**
